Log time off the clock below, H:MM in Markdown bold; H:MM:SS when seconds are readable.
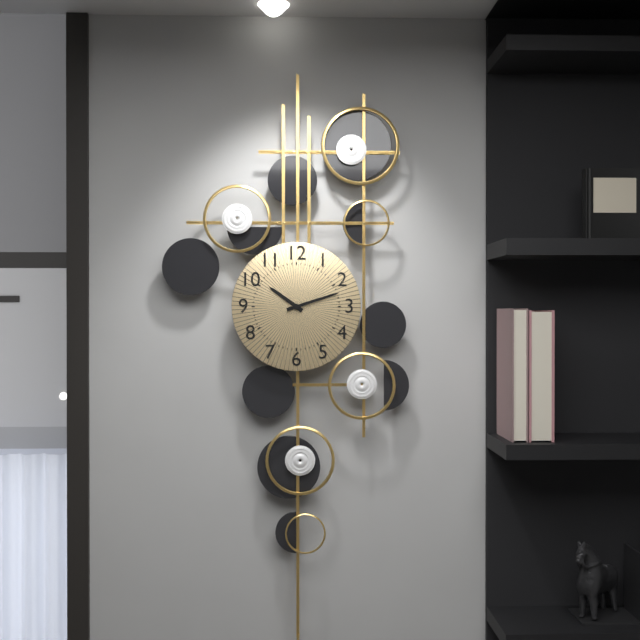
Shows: **10:12**
